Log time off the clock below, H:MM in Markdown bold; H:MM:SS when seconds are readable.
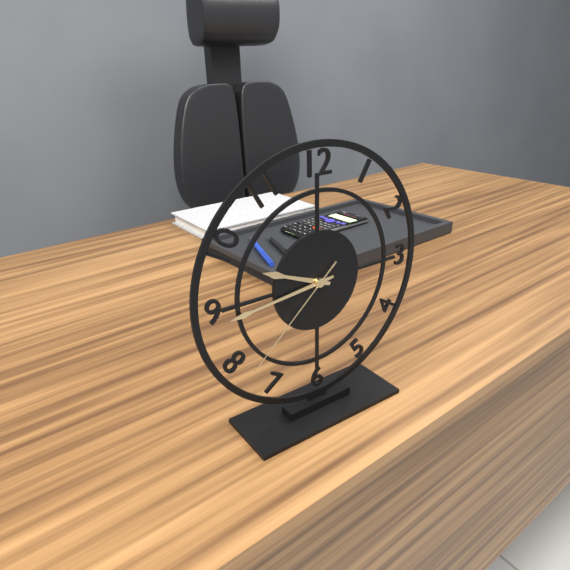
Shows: **9:44:38**
